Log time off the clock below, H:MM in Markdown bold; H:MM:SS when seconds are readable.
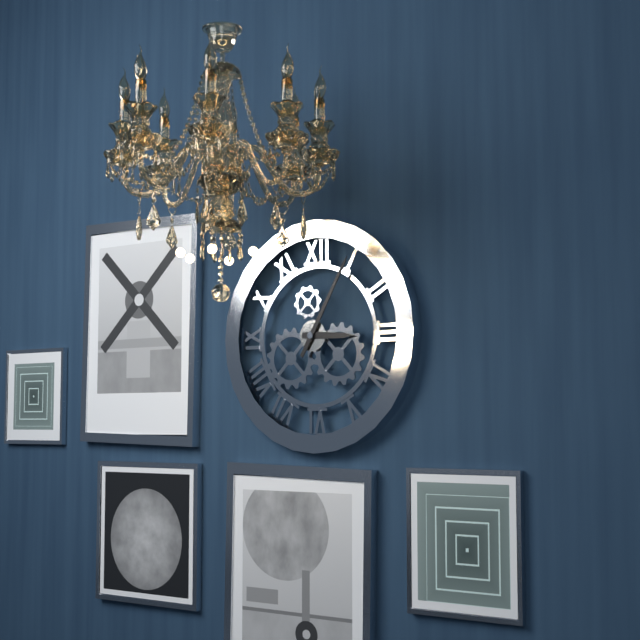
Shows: **3:05**
